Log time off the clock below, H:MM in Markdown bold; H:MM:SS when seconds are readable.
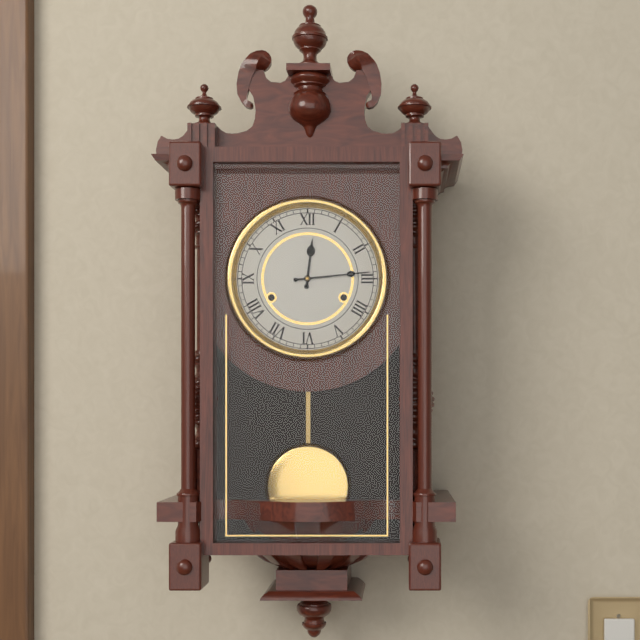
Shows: **12:14**
